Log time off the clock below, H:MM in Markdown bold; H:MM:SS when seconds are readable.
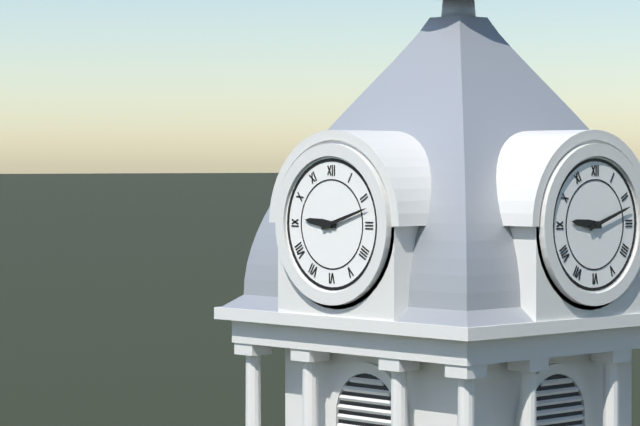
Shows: **9:12**
